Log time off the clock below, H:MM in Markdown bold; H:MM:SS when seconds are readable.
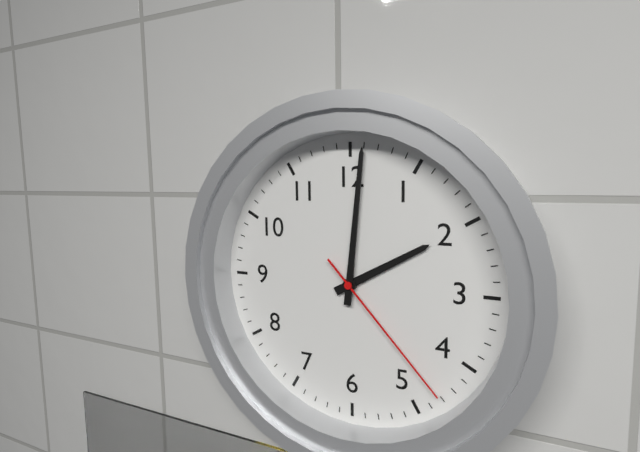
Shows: **2:01:23**
